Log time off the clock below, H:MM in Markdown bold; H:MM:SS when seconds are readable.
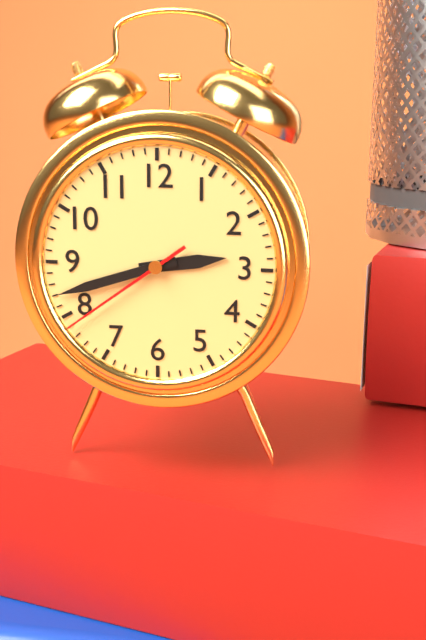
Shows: **2:42:39**
